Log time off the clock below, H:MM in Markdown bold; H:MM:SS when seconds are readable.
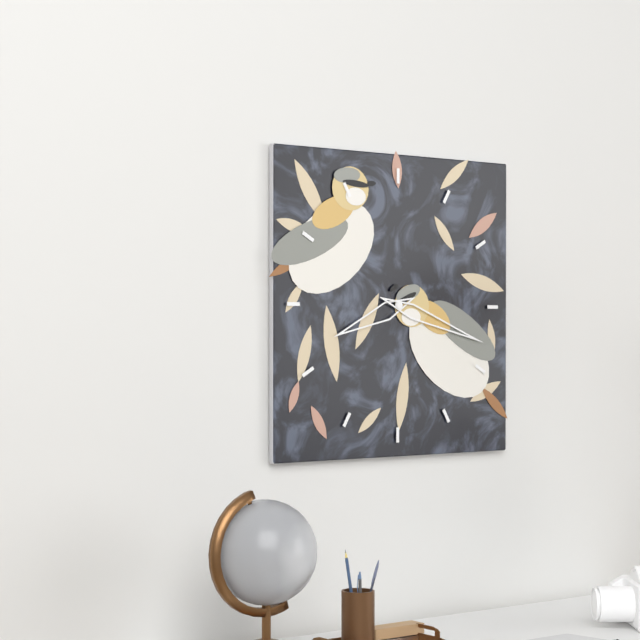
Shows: **8:18**
